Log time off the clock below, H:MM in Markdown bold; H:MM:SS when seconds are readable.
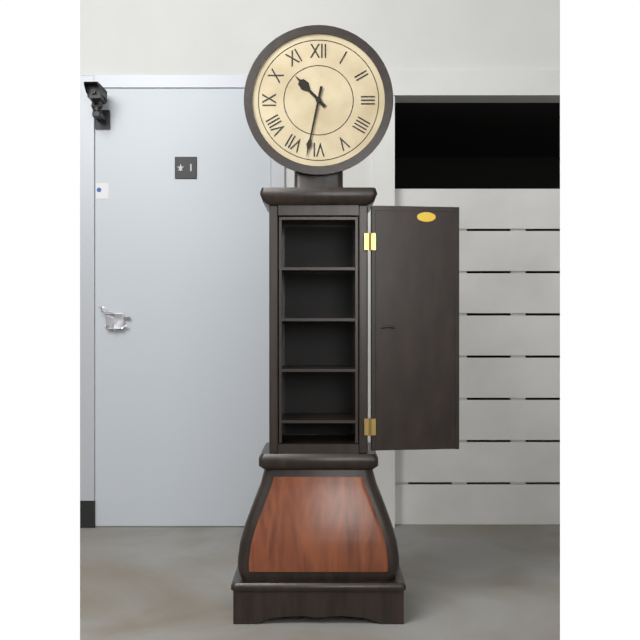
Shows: **10:32**
